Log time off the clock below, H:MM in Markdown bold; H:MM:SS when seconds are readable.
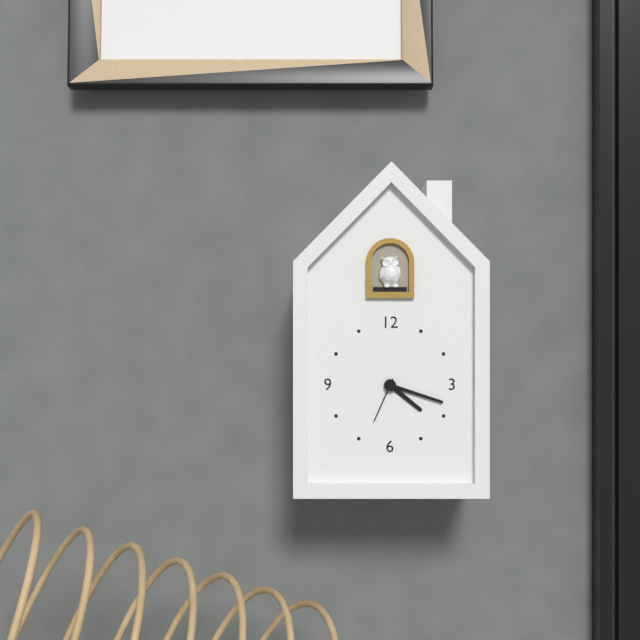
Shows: **4:18**
